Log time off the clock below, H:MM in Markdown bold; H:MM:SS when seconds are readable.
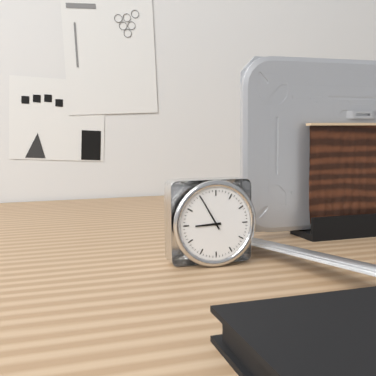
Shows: **8:55**
